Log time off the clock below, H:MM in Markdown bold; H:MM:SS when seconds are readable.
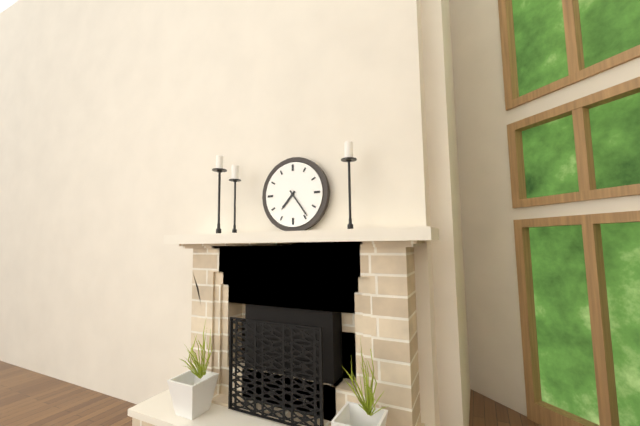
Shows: **7:24**
